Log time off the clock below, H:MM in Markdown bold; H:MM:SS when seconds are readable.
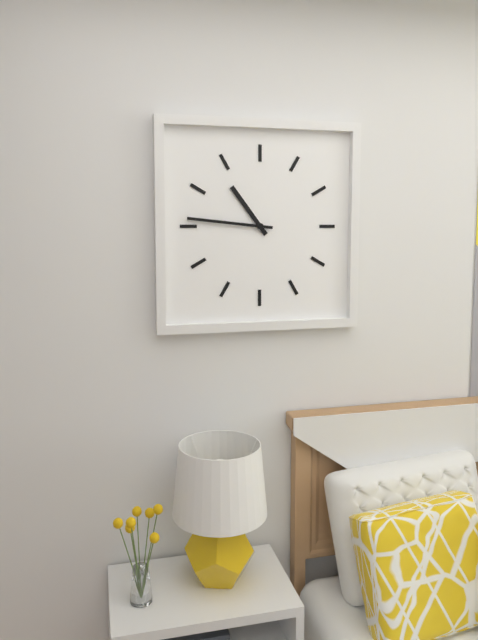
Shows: **10:46**
